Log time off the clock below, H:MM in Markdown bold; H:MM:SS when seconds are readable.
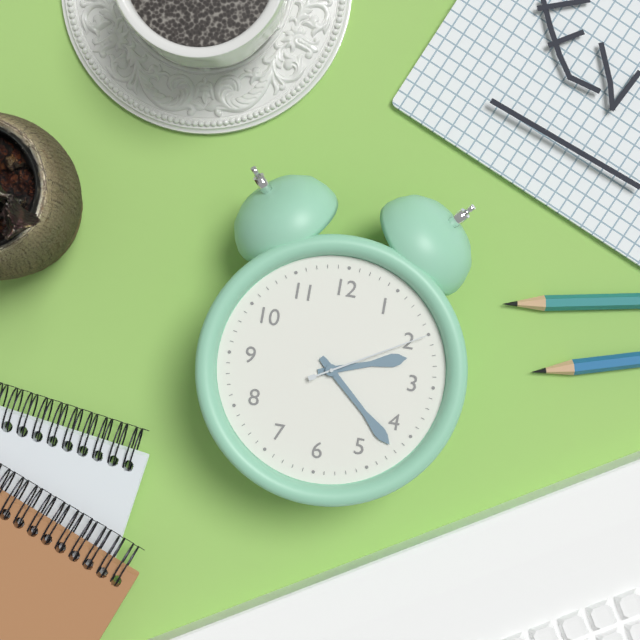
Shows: **2:22:10**
